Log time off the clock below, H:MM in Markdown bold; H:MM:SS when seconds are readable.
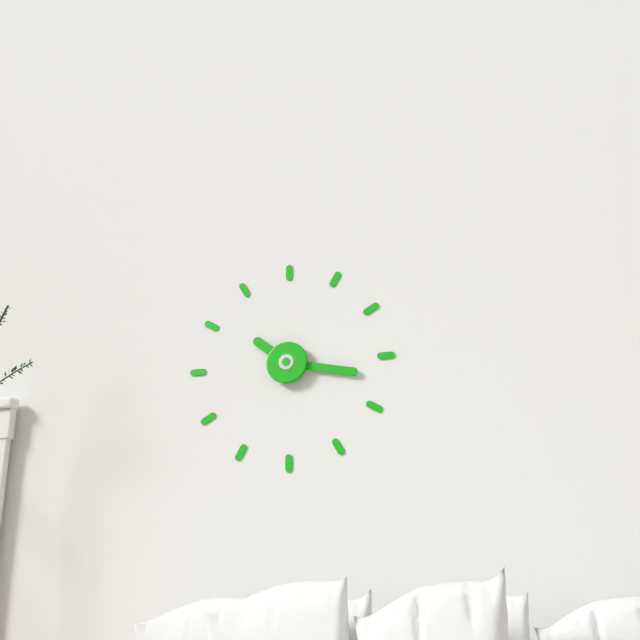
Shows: **10:17**
